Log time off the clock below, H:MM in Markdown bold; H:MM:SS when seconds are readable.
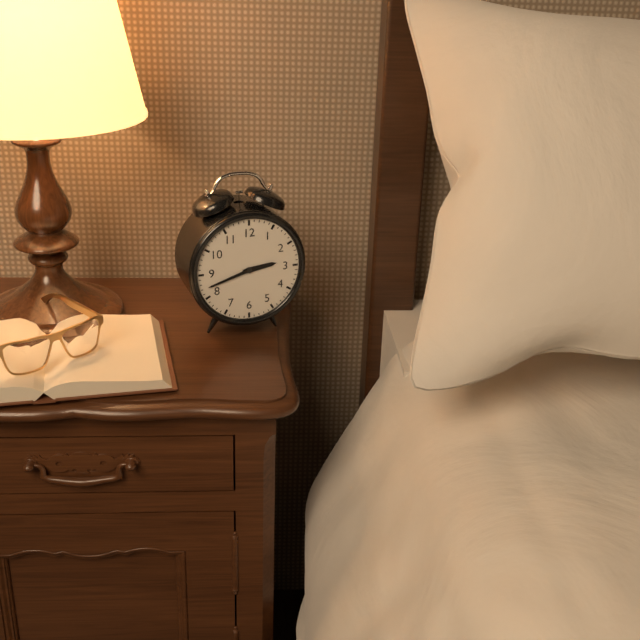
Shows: **2:42**
